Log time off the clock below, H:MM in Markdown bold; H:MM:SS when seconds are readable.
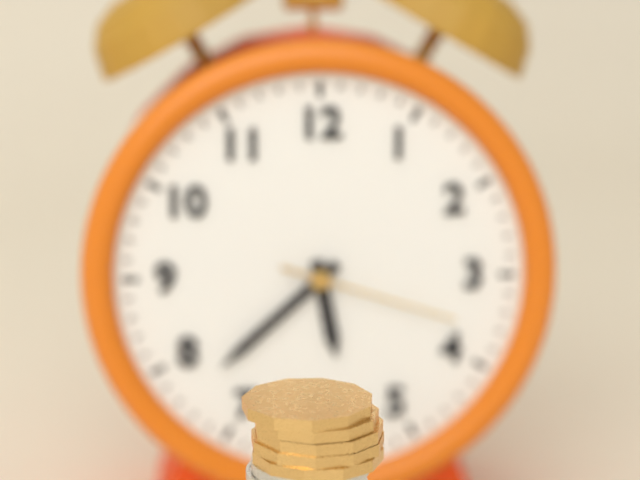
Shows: **5:38:18**
